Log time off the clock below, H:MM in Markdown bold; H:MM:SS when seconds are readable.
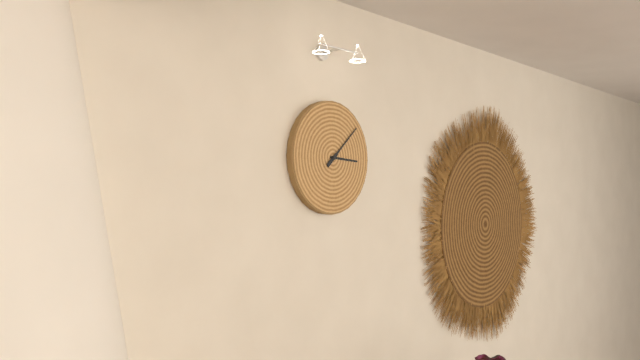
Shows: **3:08**
